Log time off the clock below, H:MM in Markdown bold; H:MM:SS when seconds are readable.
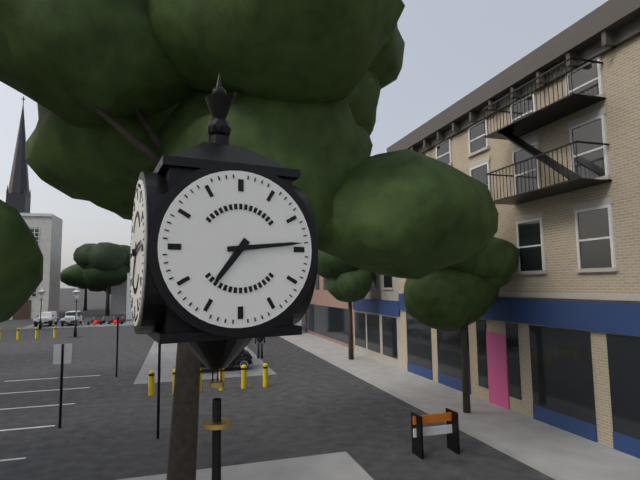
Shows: **7:14**
